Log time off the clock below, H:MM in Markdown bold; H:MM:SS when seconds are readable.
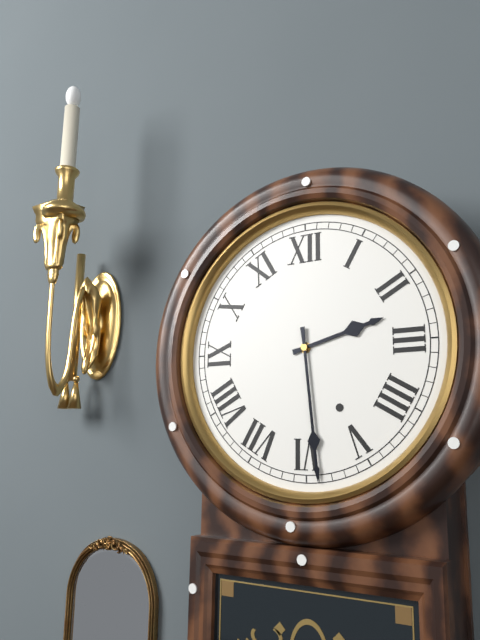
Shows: **2:29**
